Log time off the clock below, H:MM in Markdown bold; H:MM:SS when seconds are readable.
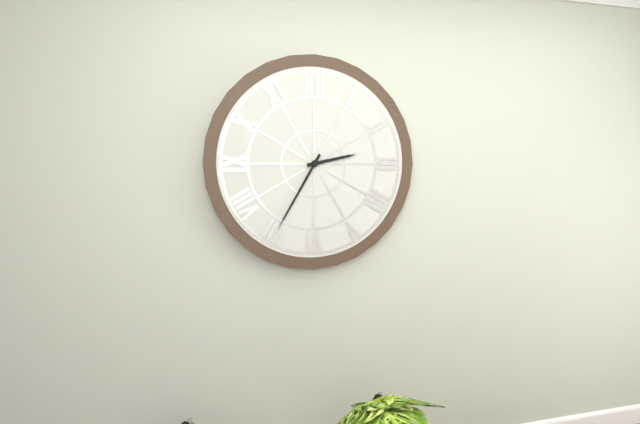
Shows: **2:35**
